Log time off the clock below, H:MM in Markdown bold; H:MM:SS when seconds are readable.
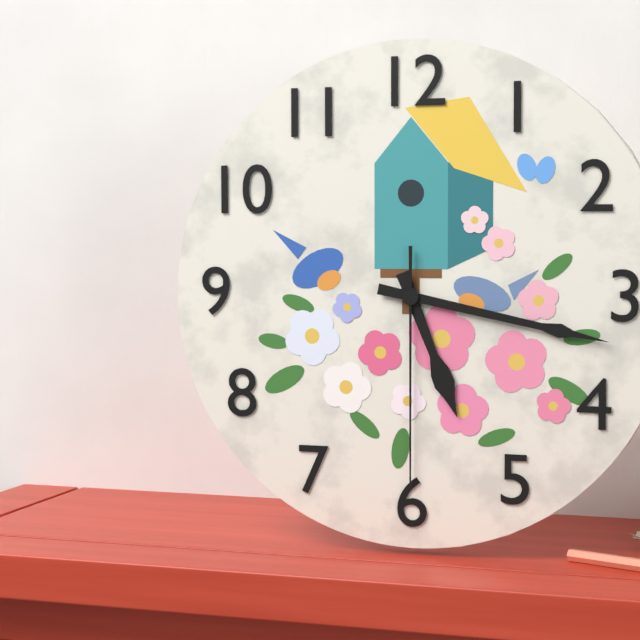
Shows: **5:17:30**
